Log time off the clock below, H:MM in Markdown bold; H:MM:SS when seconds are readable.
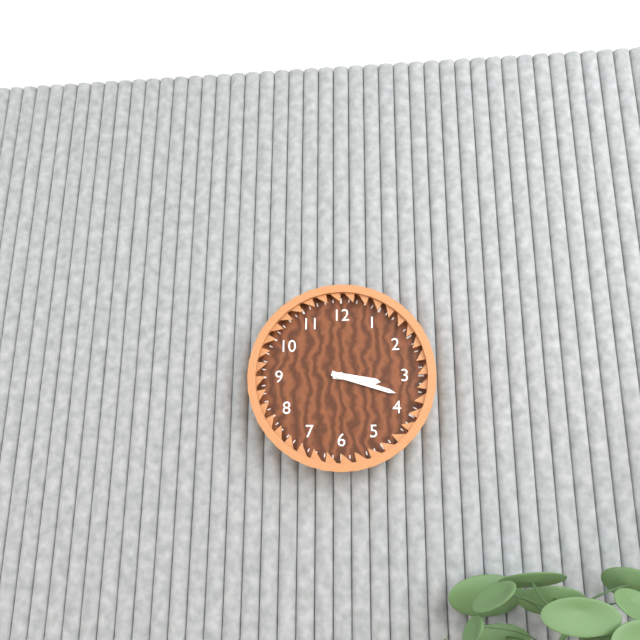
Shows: **3:18**
